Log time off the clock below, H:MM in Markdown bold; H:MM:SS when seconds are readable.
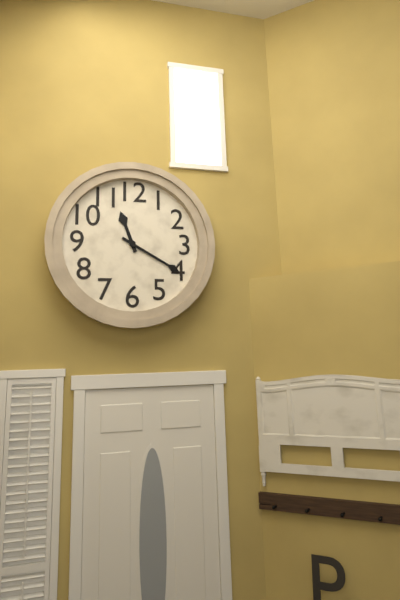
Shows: **11:20**
